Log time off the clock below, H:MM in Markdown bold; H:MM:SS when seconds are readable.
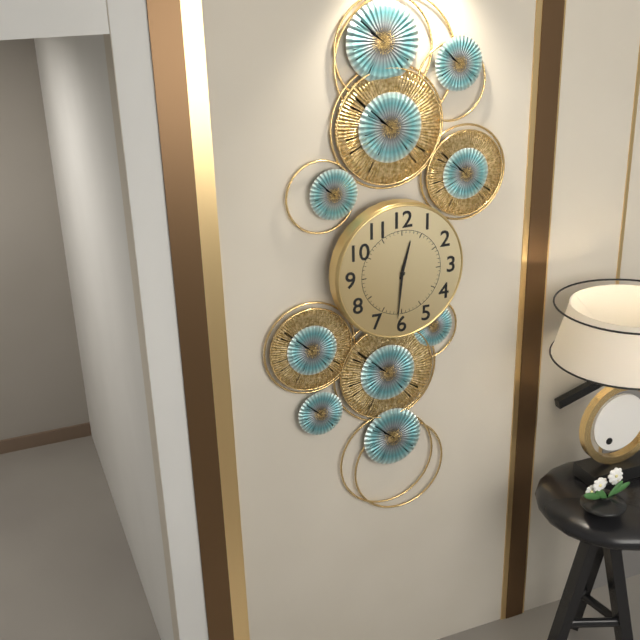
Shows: **12:31**
